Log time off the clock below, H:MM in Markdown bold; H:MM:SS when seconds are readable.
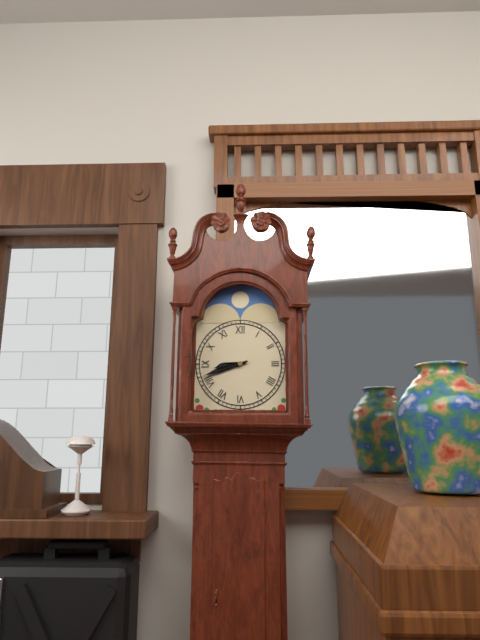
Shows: **8:42**
